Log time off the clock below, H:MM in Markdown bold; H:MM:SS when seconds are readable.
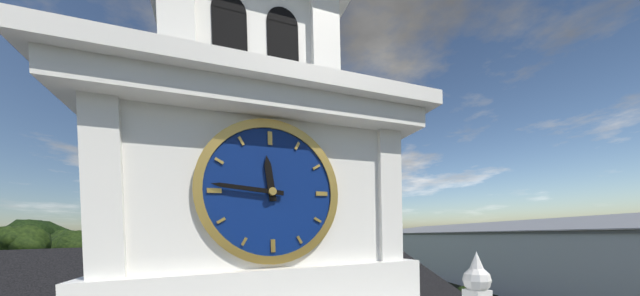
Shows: **11:46**
